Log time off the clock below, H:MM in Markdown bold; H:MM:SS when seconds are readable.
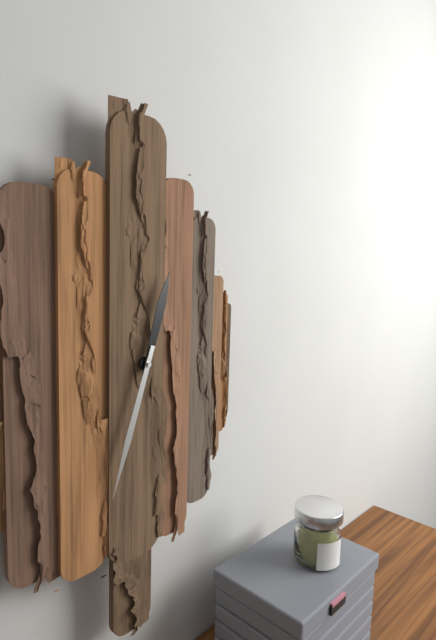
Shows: **12:33**
